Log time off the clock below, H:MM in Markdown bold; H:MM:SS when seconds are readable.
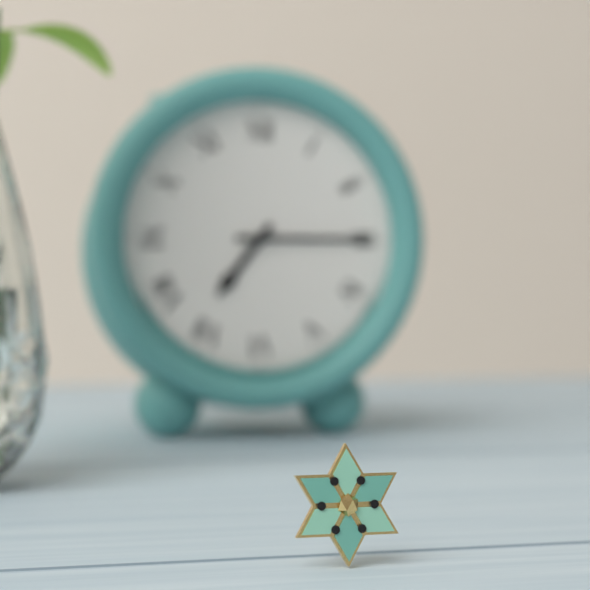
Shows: **7:15**
